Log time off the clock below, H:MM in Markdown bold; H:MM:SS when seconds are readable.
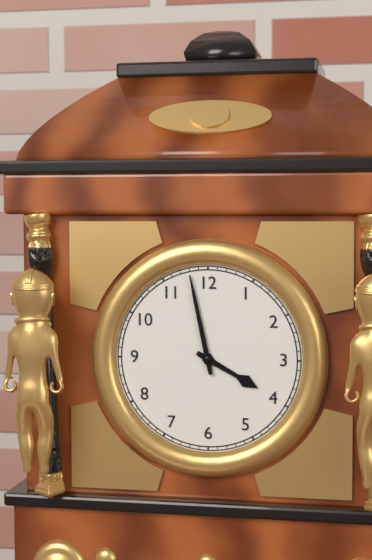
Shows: **3:58**
